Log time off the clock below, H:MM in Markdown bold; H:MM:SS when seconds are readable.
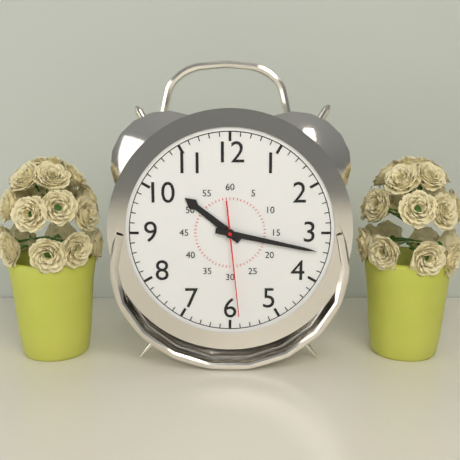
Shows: **10:17:29**
